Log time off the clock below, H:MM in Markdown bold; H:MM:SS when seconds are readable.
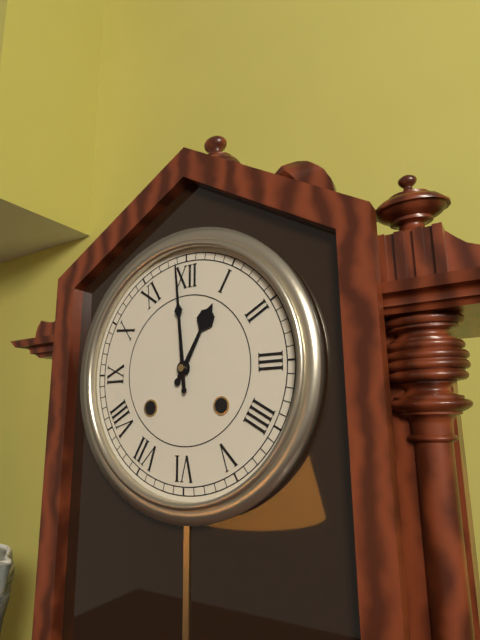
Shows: **12:59**
